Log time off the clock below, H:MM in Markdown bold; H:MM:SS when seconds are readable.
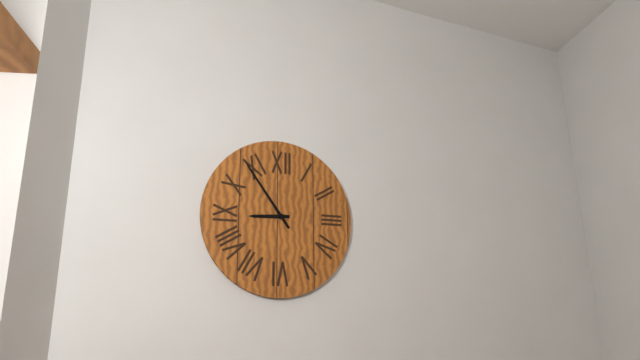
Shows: **8:54**
